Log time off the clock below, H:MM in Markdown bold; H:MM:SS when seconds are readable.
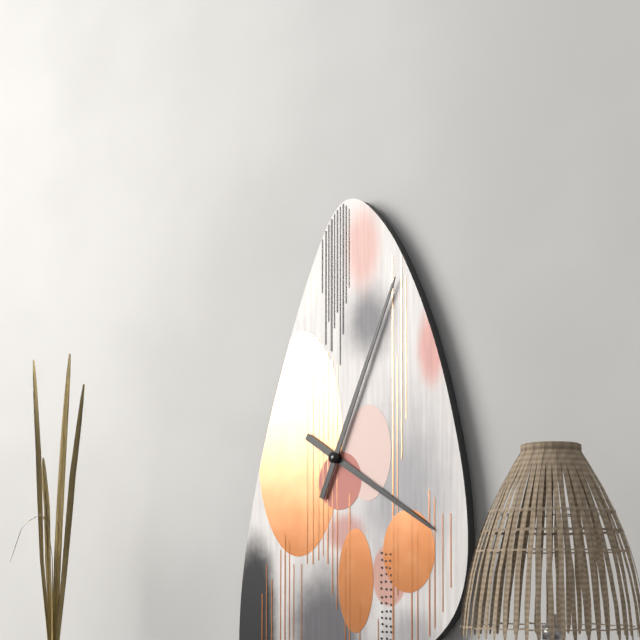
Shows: **4:04**
